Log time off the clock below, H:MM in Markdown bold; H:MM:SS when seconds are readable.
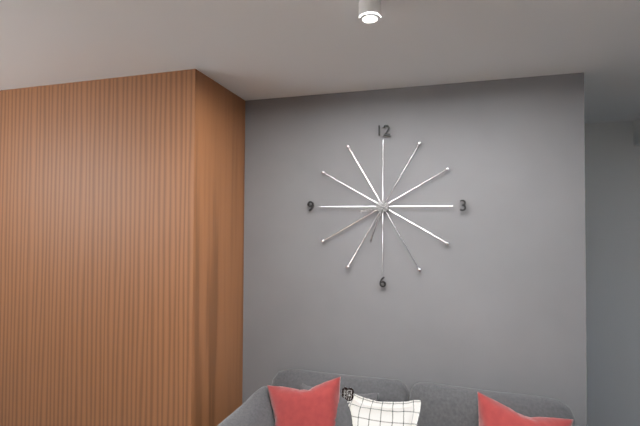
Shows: **8:33**
